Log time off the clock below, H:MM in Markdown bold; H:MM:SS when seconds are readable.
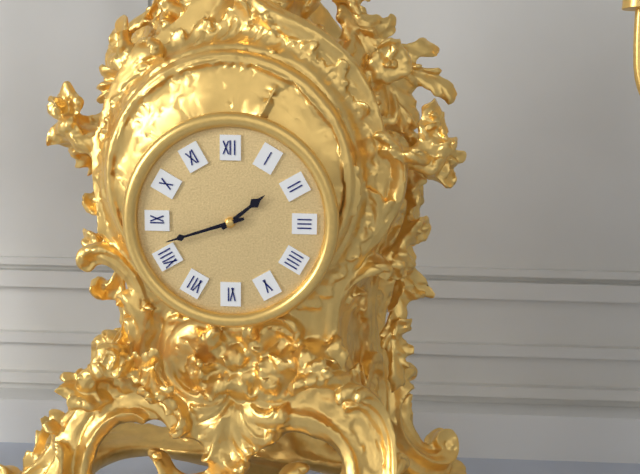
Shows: **1:42**
